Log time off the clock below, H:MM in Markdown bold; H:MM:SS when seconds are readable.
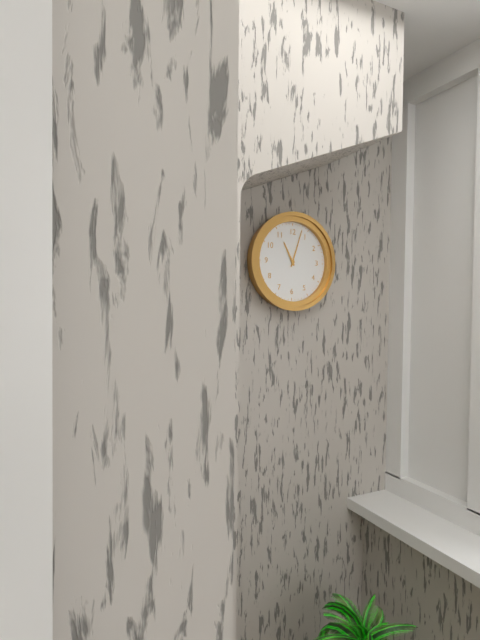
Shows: **11:03**
